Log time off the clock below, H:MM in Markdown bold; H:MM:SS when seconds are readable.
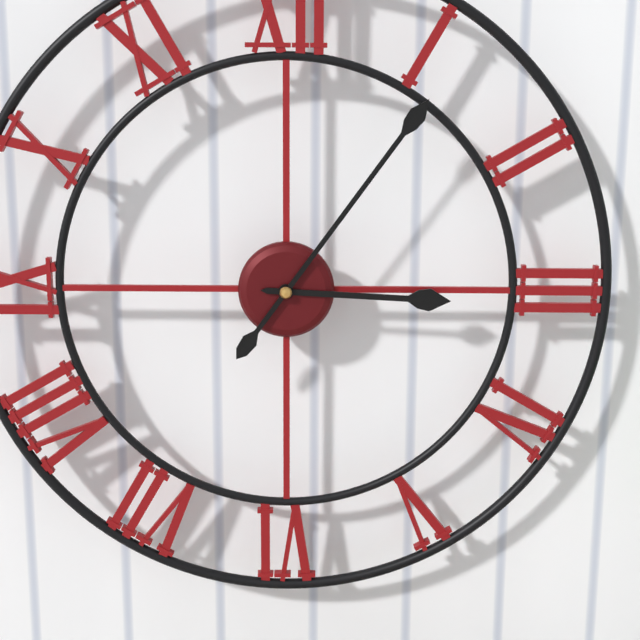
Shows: **3:06**
